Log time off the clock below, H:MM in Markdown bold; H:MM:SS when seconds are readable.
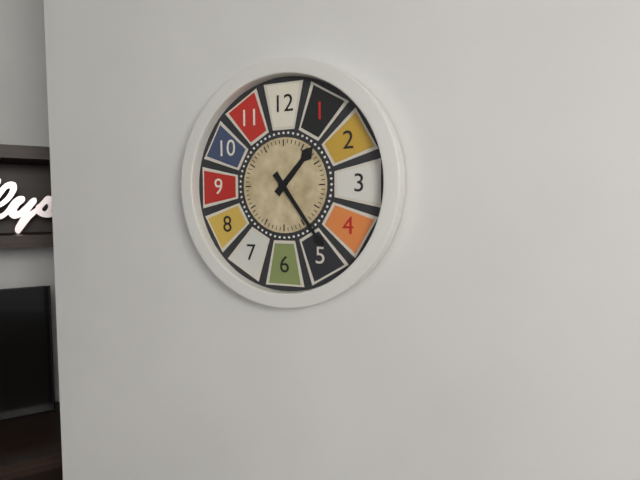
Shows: **1:24**
